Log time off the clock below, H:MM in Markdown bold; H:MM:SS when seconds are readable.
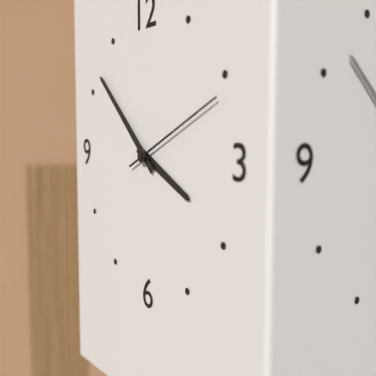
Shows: **3:52:11**
